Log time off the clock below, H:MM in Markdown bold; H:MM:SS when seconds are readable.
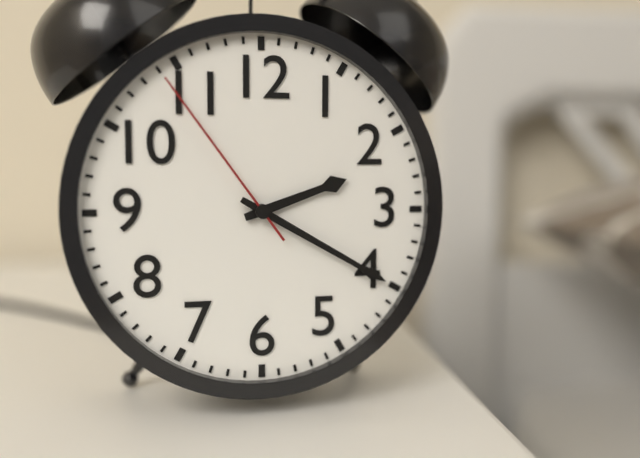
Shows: **2:20:54**
